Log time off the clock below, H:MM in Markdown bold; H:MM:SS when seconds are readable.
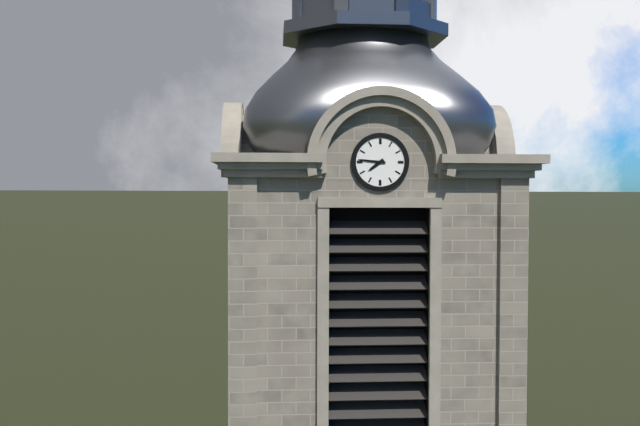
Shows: **7:46**
